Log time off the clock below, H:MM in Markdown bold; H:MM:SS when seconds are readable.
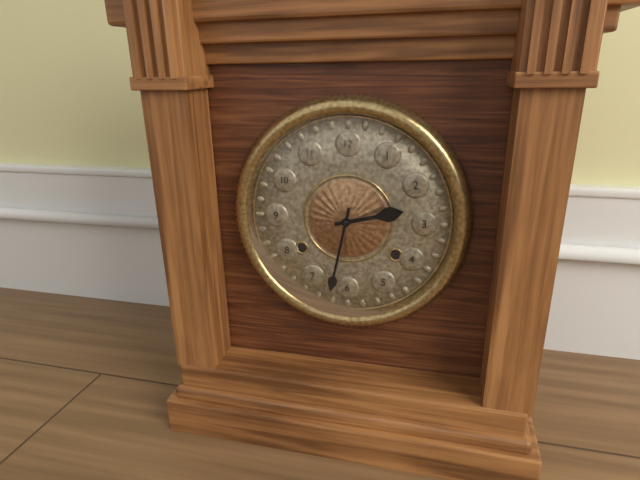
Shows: **2:32**
